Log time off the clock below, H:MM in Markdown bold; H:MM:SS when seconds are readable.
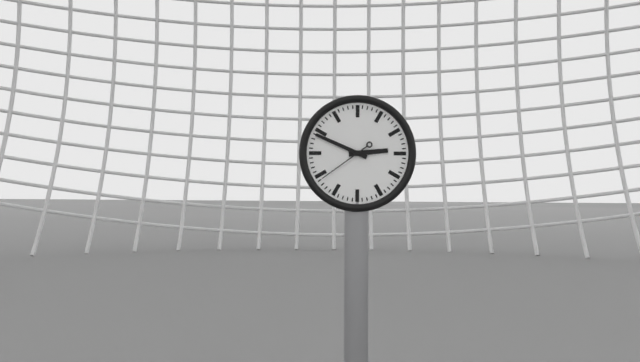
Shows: **2:49:39**
